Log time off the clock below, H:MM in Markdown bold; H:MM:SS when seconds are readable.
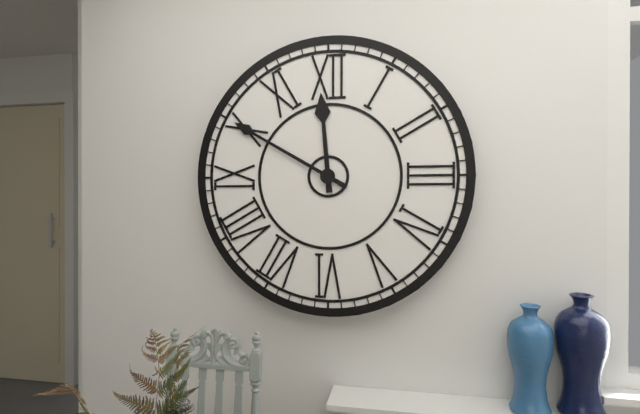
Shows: **11:50**
